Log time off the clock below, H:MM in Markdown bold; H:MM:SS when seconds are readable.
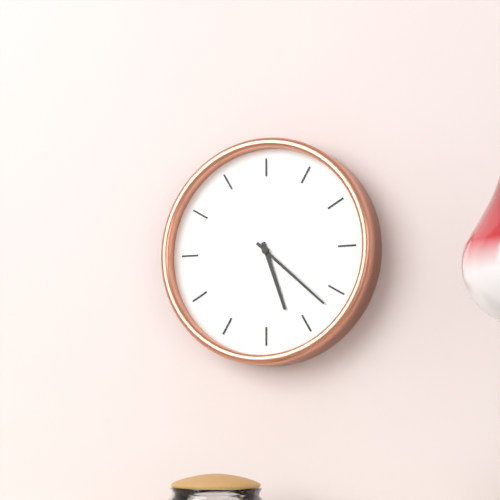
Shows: **5:22**
